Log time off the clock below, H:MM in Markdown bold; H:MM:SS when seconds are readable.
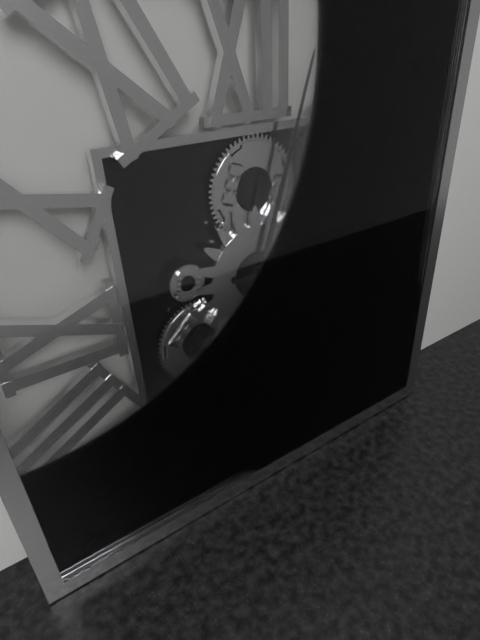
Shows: **3:03**
